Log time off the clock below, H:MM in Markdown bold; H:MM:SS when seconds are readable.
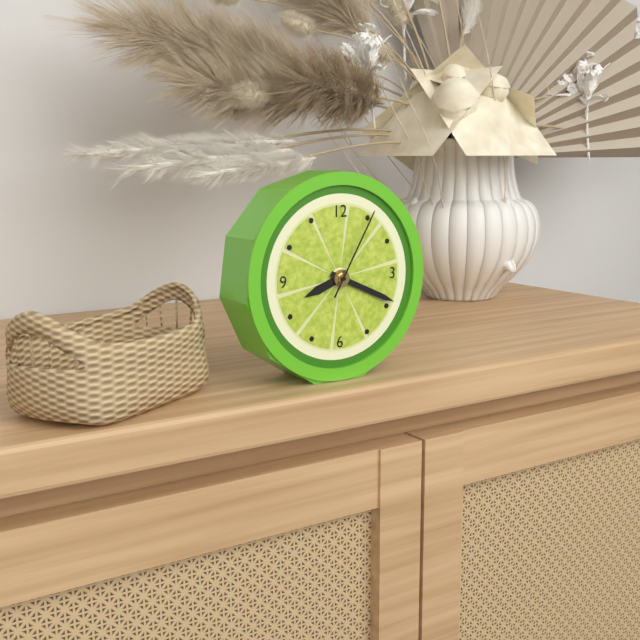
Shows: **8:19:05**
